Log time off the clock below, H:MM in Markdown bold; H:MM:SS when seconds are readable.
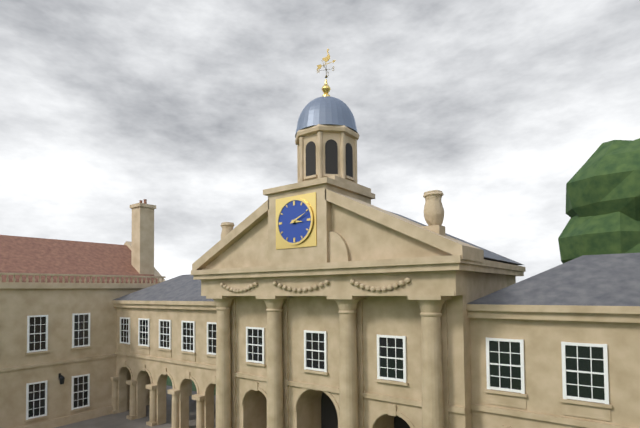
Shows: **3:11**
